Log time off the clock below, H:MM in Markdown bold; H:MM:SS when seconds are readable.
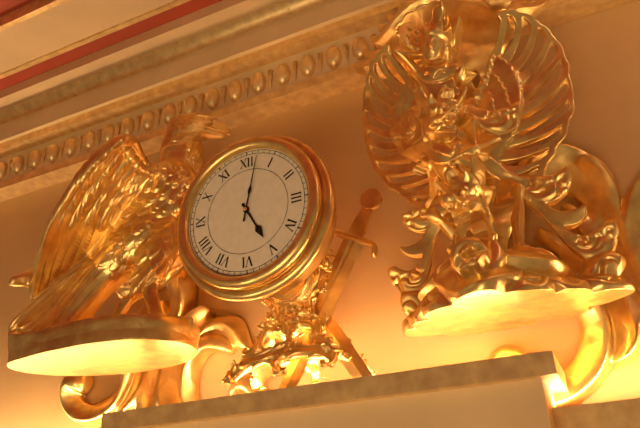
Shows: **5:02**
